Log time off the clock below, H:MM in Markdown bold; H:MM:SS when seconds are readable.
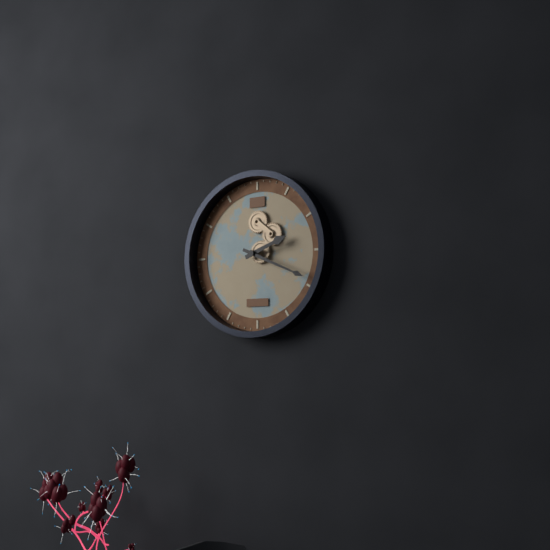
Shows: **2:19**
